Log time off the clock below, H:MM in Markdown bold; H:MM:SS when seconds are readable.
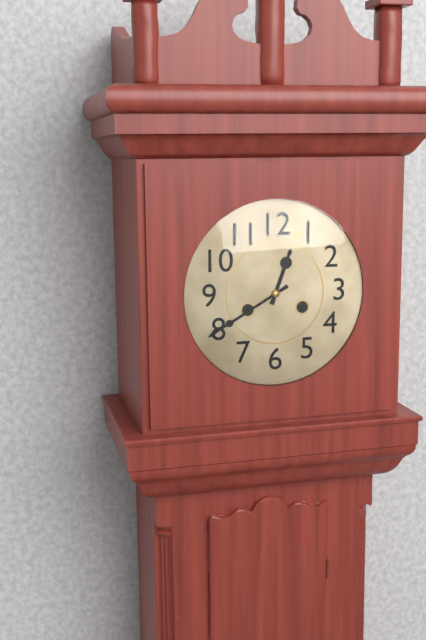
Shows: **12:40**
